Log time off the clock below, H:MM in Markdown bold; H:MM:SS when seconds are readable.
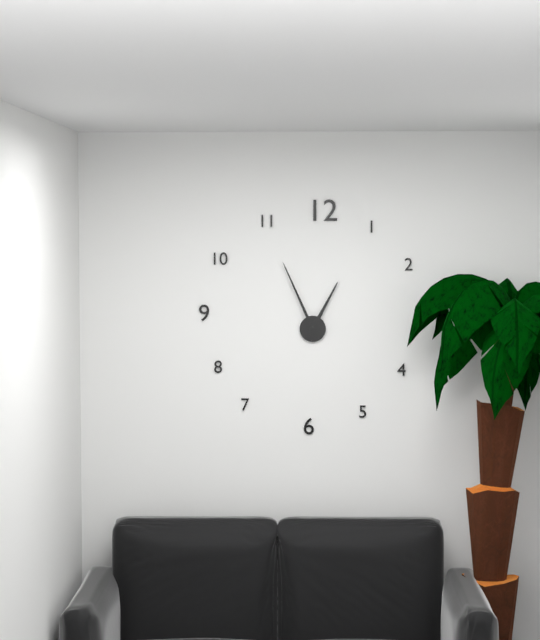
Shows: **12:56**
